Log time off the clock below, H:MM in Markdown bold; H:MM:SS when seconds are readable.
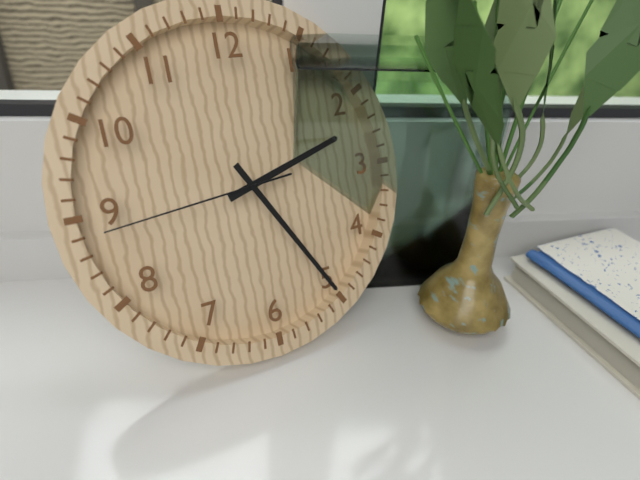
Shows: **2:25:44**
